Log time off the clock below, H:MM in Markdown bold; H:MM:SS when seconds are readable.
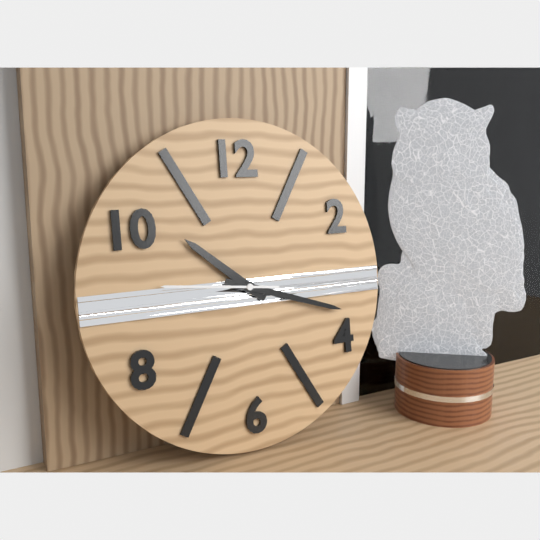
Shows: **10:18:46**
